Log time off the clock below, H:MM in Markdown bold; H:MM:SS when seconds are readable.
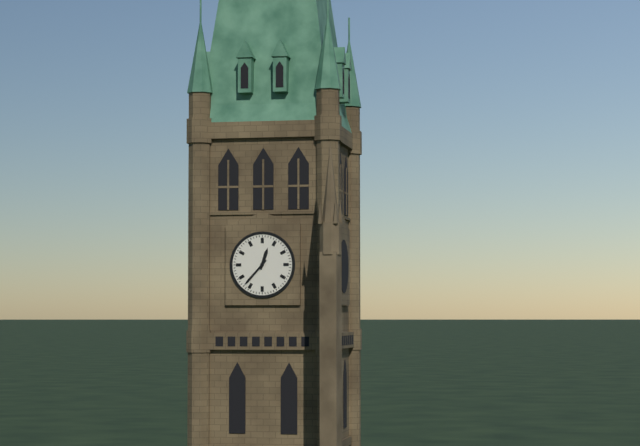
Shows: **12:37**
